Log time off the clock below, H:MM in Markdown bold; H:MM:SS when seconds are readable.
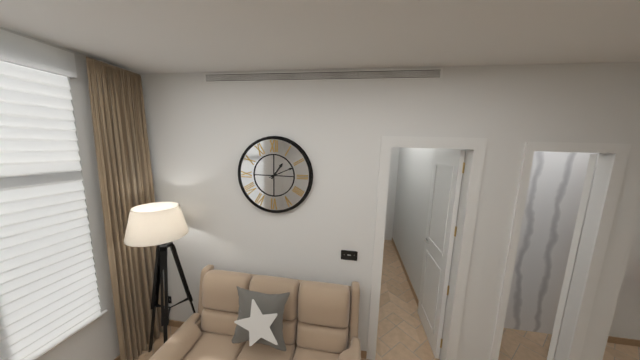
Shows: **1:11**
